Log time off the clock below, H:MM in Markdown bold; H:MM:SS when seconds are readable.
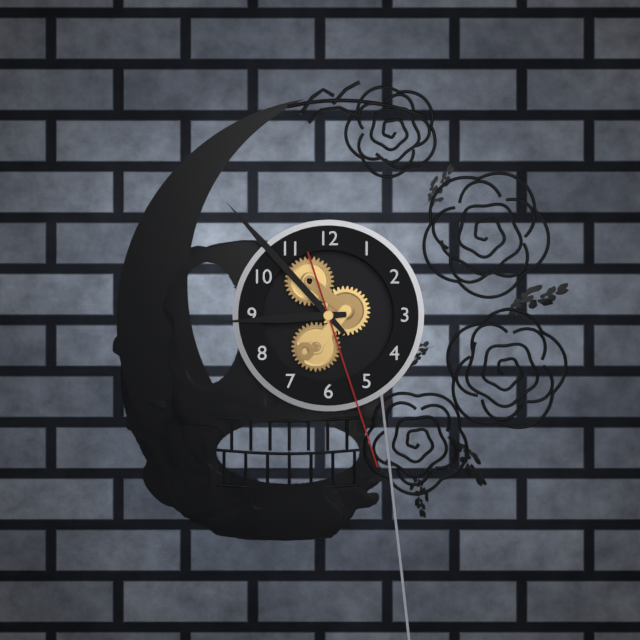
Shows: **8:53:27**
